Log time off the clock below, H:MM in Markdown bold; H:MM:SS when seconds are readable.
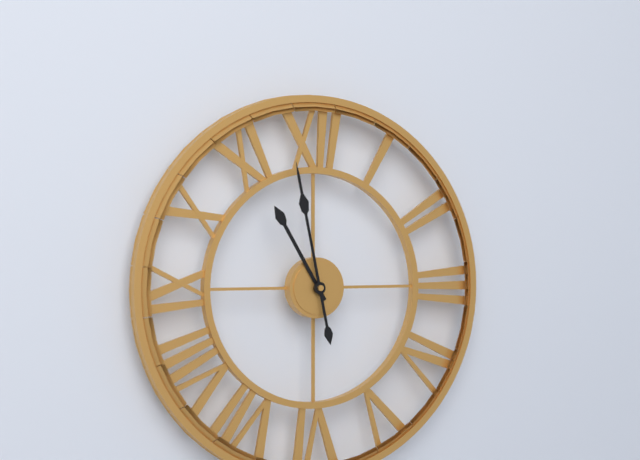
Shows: **10:58**
